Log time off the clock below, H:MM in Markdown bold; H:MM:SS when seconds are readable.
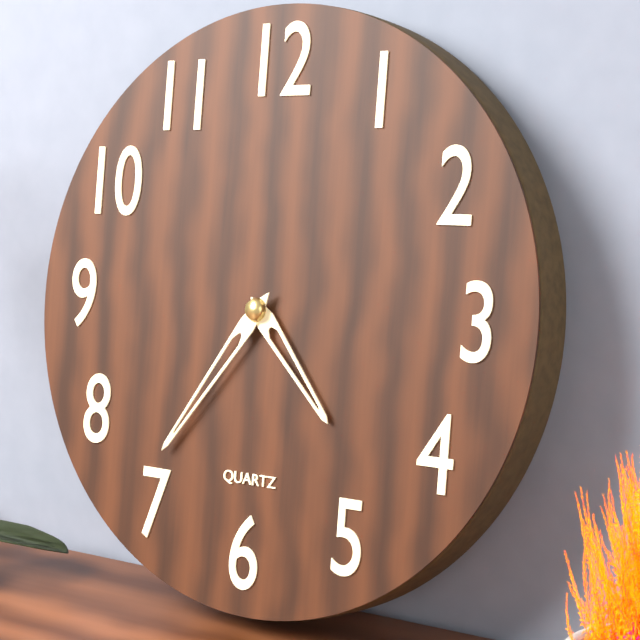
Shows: **4:36**
